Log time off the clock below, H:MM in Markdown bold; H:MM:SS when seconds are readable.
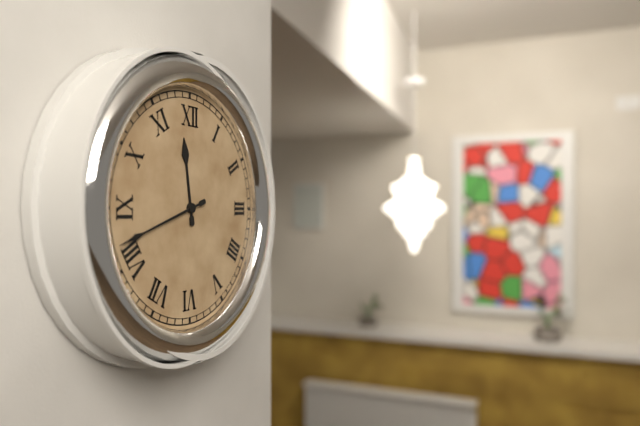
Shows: **11:42**
